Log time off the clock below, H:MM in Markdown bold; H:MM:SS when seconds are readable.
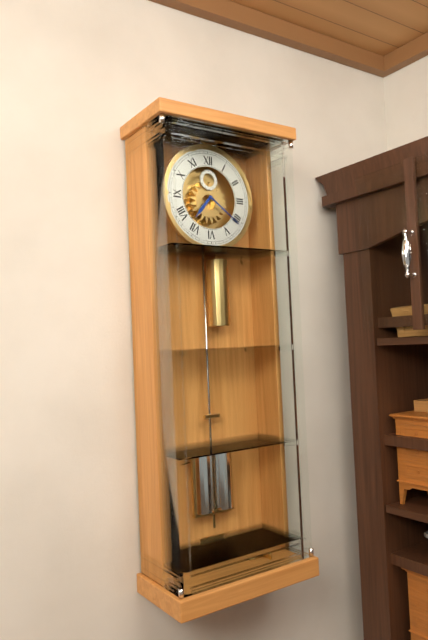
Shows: **7:21**
